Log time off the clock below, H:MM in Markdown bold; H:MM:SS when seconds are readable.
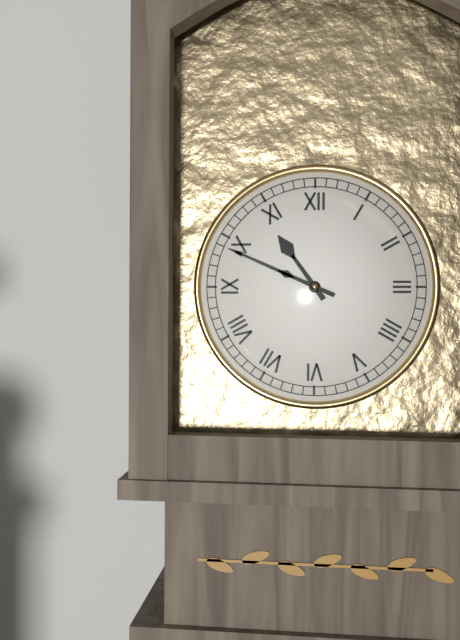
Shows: **10:49**
